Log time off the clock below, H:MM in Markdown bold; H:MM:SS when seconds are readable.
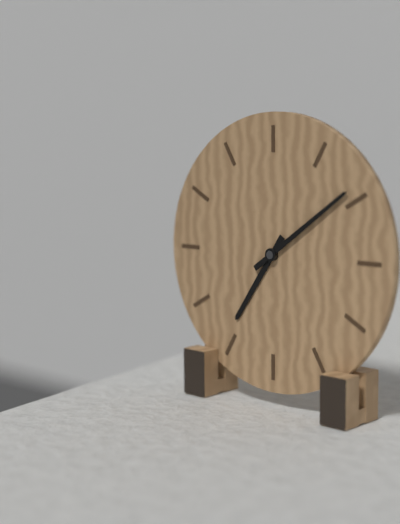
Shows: **7:09**
